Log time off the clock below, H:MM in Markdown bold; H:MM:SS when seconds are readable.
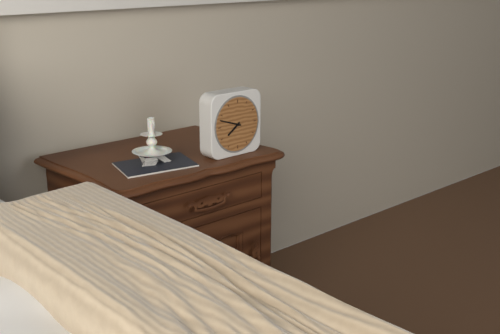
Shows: **7:48**
